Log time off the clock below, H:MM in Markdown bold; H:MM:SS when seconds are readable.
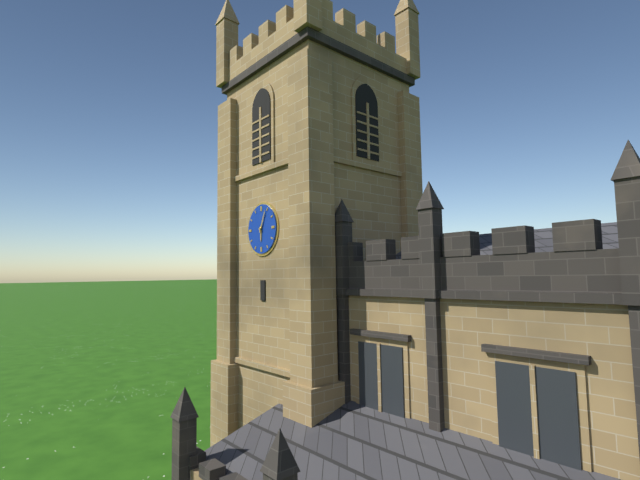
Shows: **6:04**
